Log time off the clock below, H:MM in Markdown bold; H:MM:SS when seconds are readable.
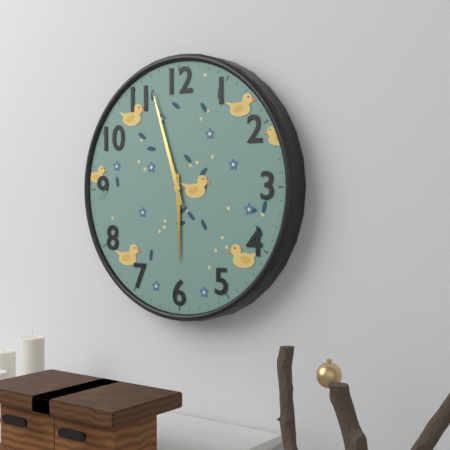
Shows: **5:57**
